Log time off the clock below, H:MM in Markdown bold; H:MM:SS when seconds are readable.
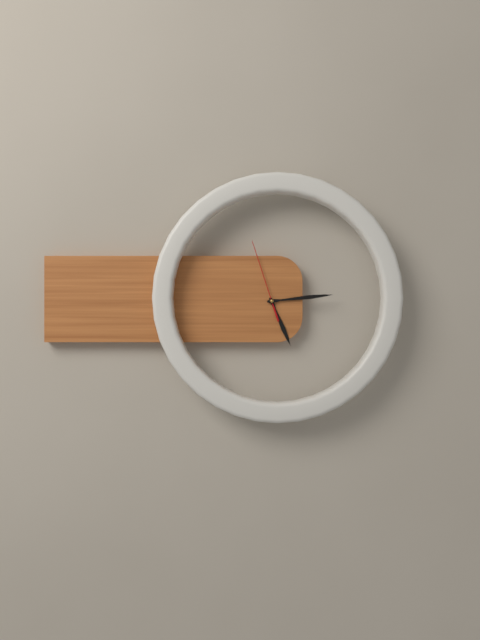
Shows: **5:14:57**
